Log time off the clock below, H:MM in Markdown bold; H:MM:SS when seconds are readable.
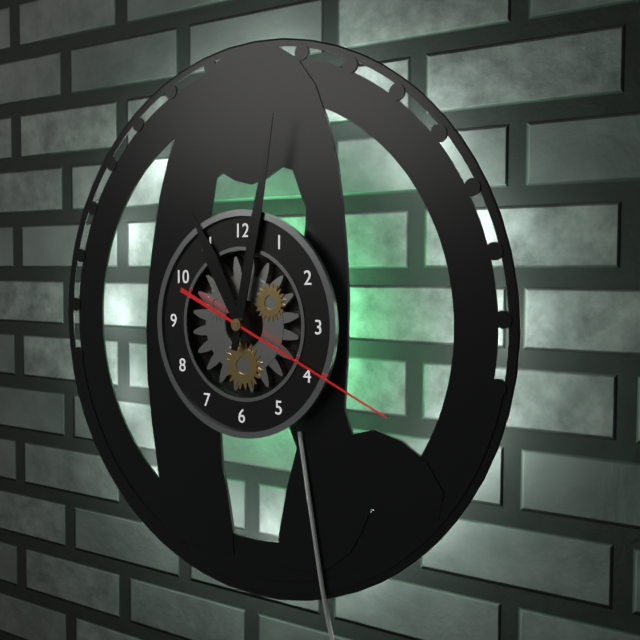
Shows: **11:02:19**
